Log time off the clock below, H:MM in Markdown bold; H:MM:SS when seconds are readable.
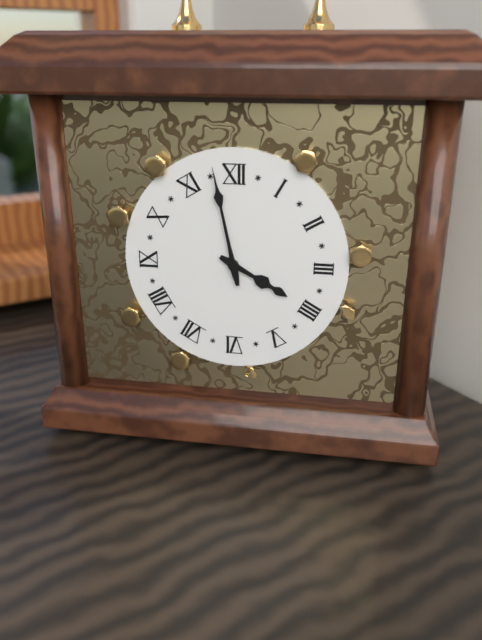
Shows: **3:58**
